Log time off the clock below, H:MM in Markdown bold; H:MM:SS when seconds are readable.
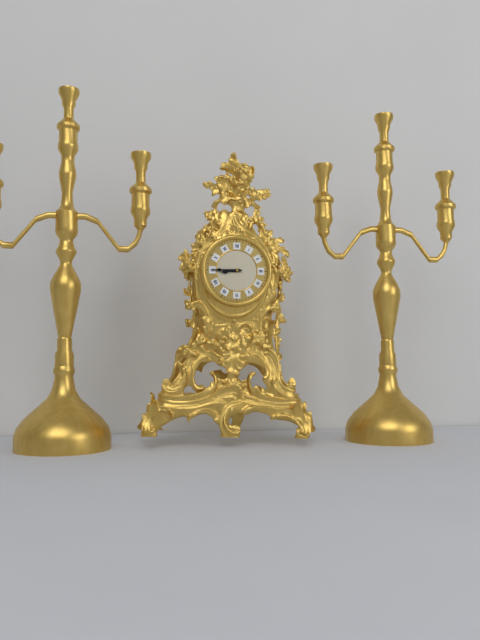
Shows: **8:45**
